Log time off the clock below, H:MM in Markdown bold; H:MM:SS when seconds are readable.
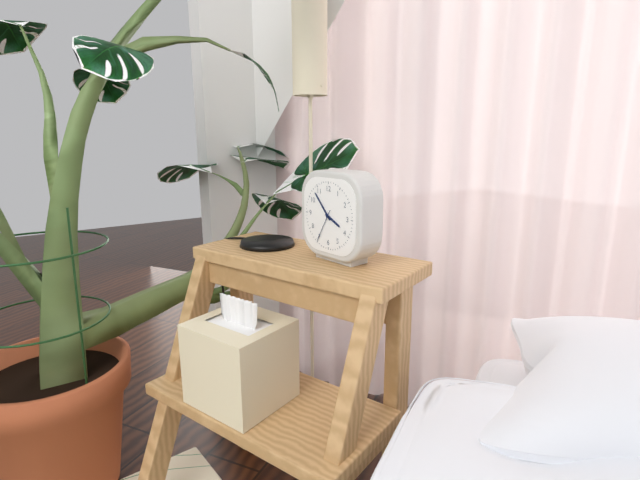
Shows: **3:53**
